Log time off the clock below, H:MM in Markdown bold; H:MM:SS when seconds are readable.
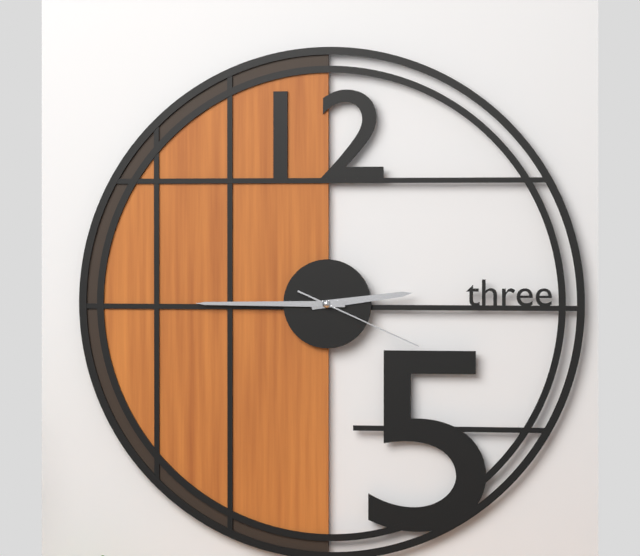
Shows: **2:45:19**
